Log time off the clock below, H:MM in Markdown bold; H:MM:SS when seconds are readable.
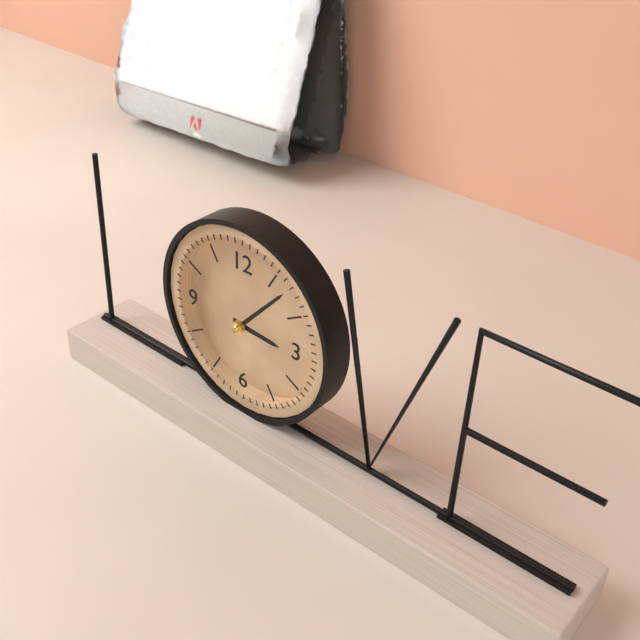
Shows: **3:07**
